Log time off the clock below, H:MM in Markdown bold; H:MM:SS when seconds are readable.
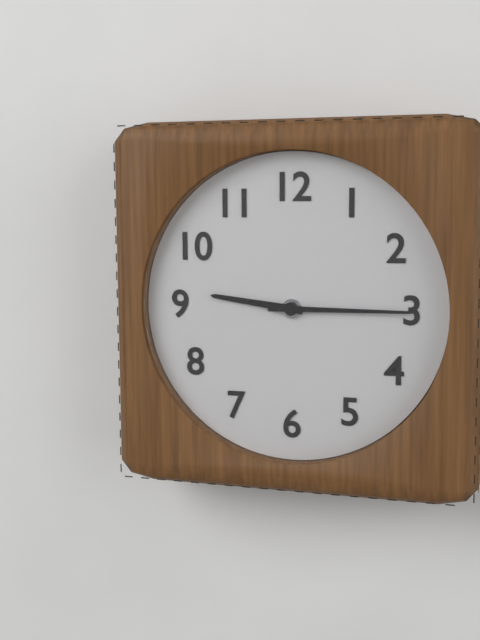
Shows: **9:15**
